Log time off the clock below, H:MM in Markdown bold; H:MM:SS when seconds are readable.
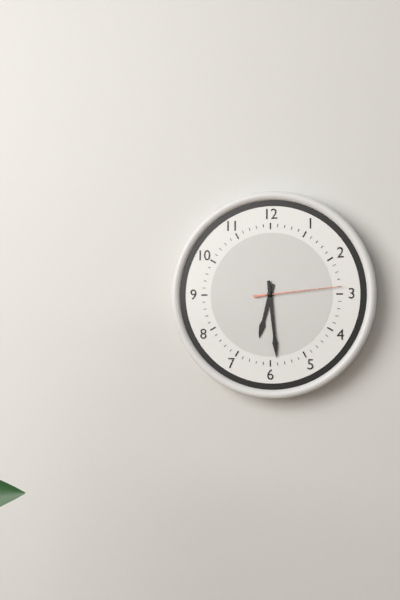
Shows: **6:29:14**
